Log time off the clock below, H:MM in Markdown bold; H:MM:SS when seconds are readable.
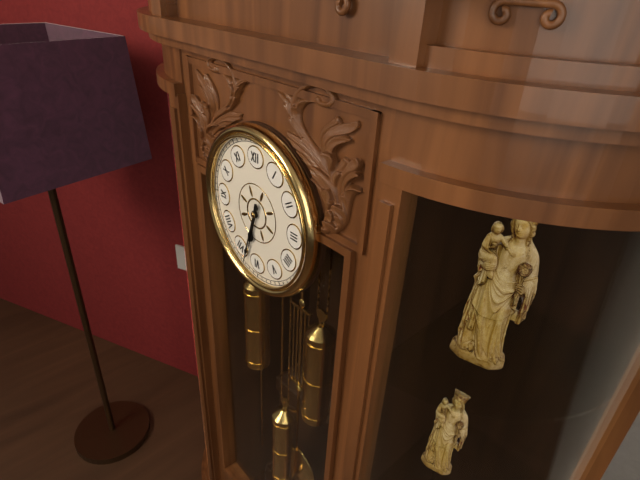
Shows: **6:33**
